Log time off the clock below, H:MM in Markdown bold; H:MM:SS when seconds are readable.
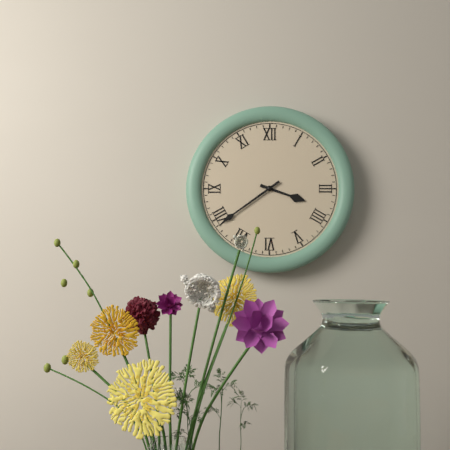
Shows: **3:39**
